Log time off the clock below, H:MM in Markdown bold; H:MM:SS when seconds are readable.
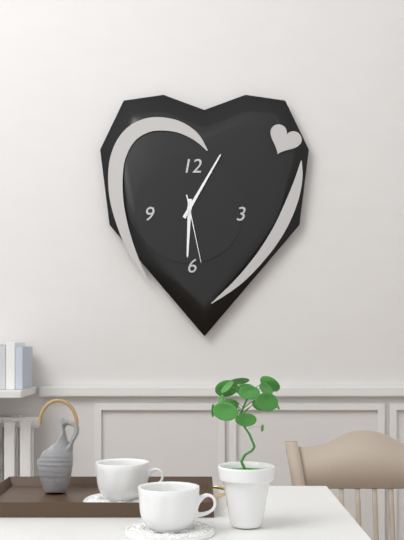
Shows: **6:05:28**
